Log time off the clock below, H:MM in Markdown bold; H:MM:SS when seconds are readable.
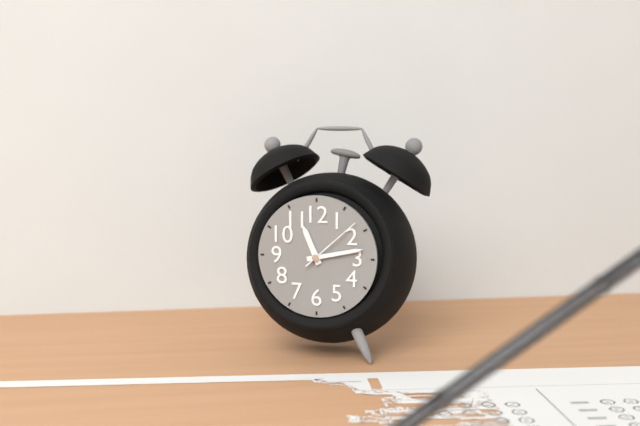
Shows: **11:13:08**
